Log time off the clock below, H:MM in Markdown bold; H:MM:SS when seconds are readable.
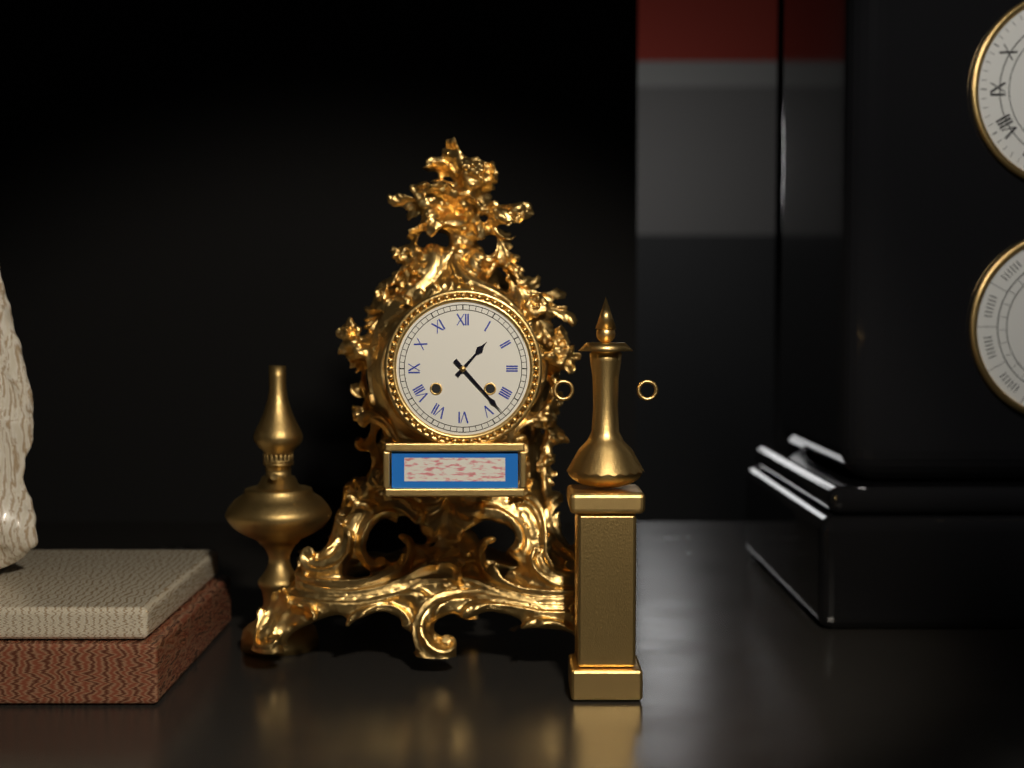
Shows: **1:23**
